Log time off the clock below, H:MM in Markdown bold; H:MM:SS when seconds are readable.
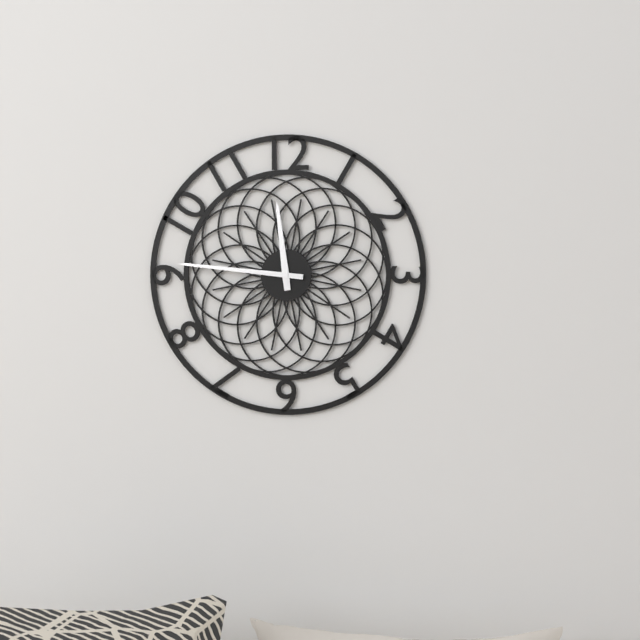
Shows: **11:46**
